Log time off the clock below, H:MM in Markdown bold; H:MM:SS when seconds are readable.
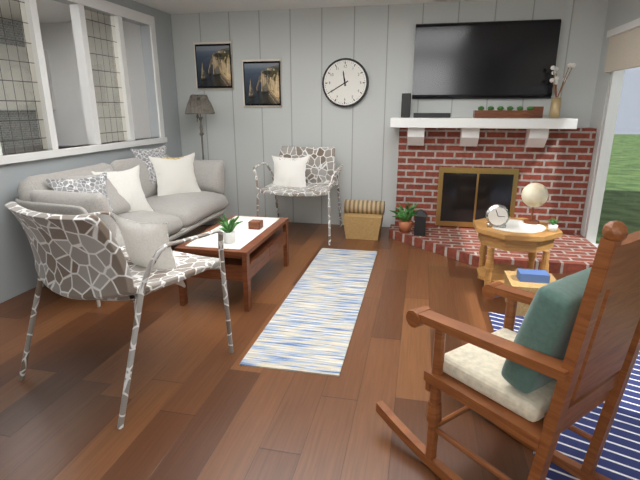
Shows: **11:40**
